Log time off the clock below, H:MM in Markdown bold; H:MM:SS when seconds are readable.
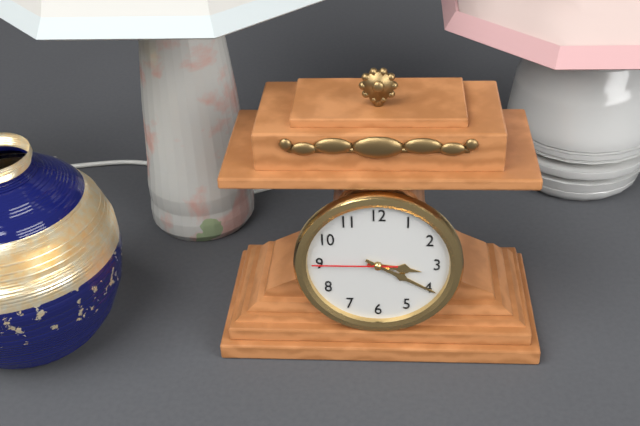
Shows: **3:20:45**
